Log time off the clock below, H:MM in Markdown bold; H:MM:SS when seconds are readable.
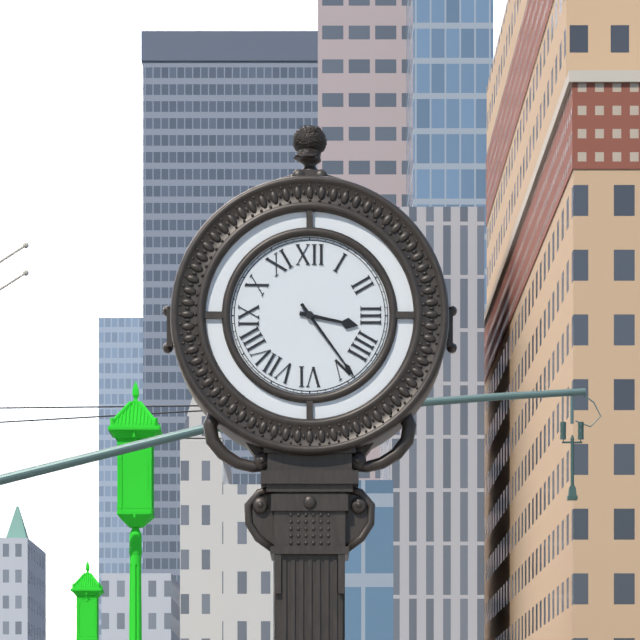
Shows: **3:24**
